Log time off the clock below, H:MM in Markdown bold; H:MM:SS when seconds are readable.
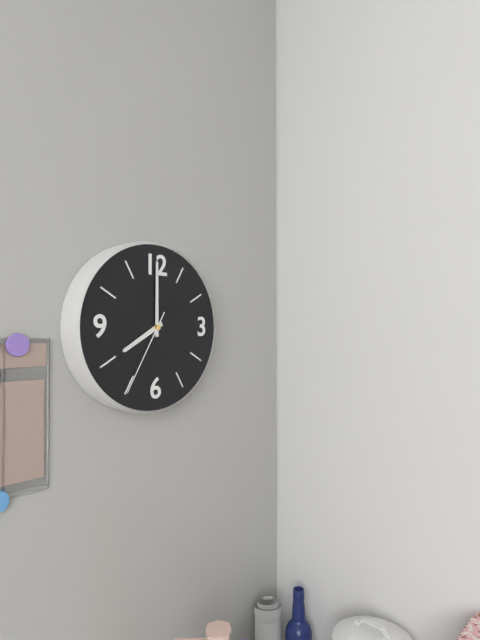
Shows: **8:00:35**
